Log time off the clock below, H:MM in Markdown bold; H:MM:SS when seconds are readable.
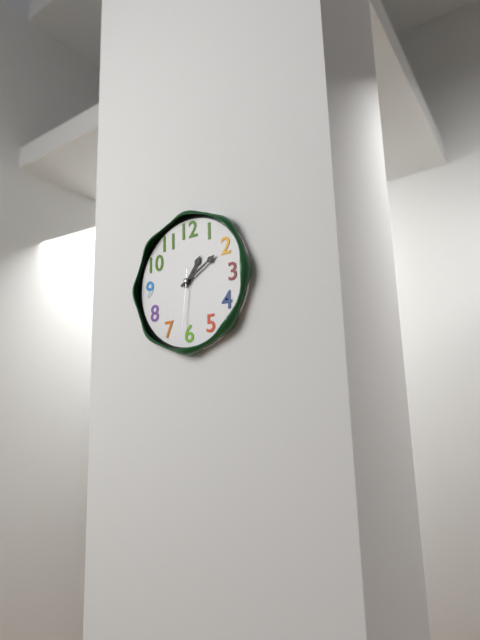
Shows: **1:10:31**
